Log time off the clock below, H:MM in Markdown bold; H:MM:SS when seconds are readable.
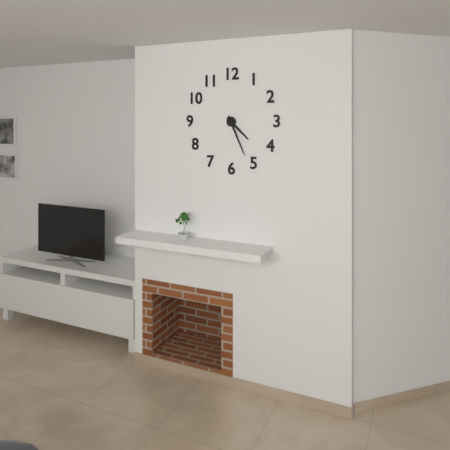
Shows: **4:26**
